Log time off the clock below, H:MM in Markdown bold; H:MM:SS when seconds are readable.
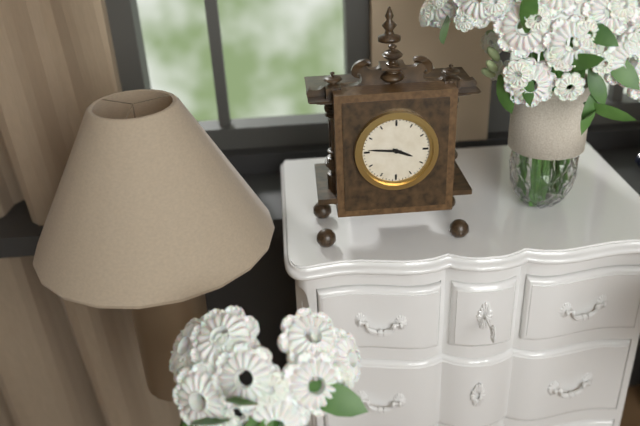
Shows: **3:46**
